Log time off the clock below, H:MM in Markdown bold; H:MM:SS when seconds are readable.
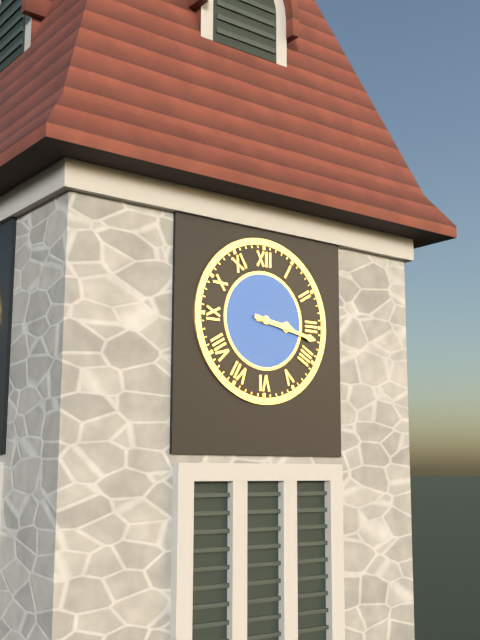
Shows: **3:17**
